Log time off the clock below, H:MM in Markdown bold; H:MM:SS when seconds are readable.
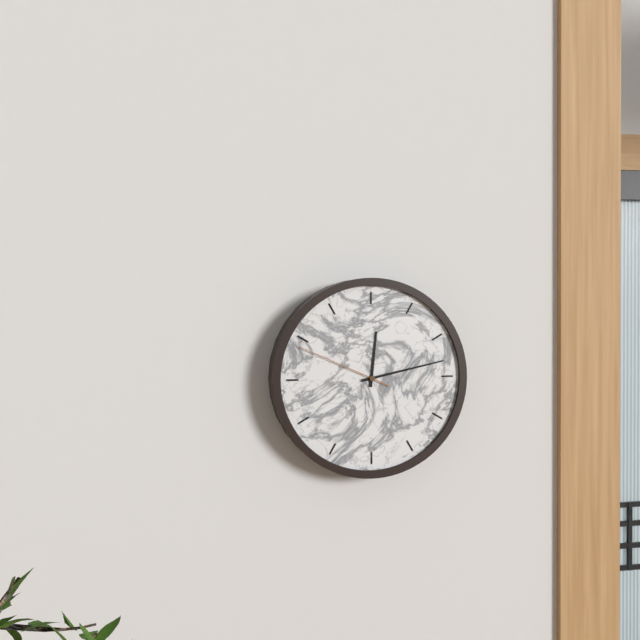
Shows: **12:13:49**
